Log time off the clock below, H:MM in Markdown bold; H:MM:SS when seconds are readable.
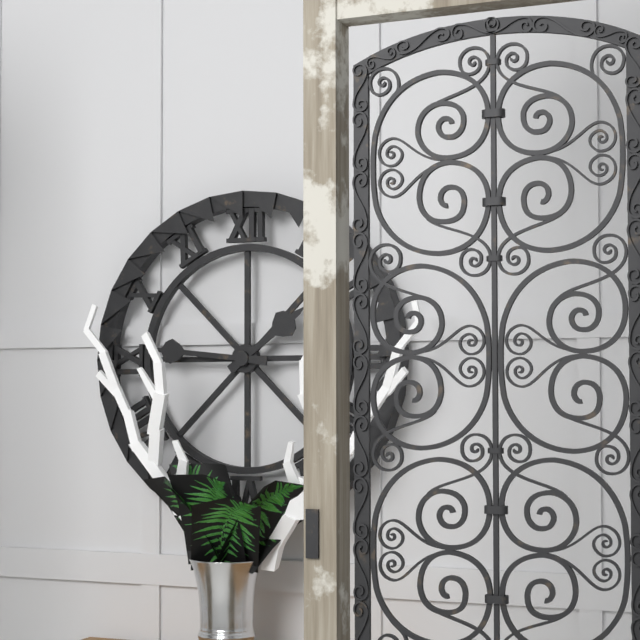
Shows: **1:46**
